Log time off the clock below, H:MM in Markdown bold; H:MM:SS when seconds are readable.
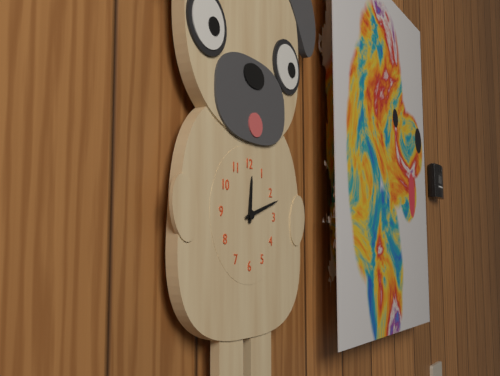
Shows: **12:12**
